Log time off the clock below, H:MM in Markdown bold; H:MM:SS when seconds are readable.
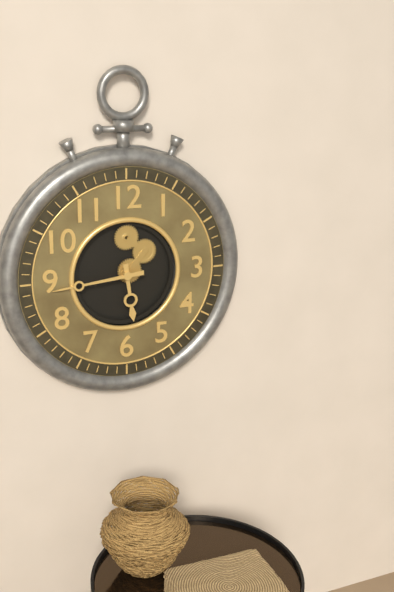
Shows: **5:44**
